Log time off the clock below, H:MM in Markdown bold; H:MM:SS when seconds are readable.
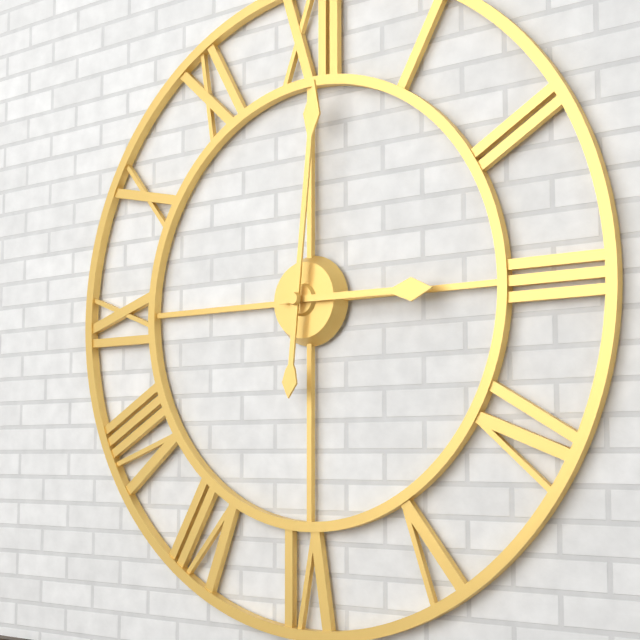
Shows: **3:01**
